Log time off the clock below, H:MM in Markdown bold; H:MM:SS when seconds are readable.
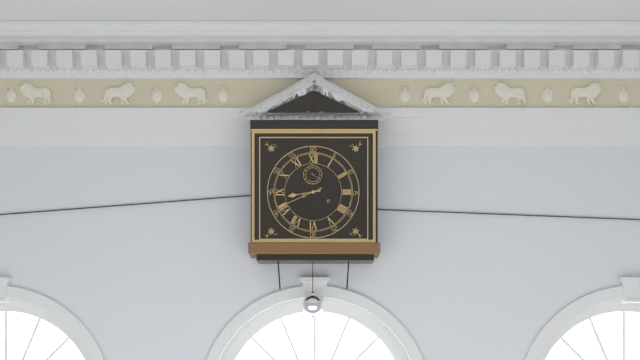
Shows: **8:41**
